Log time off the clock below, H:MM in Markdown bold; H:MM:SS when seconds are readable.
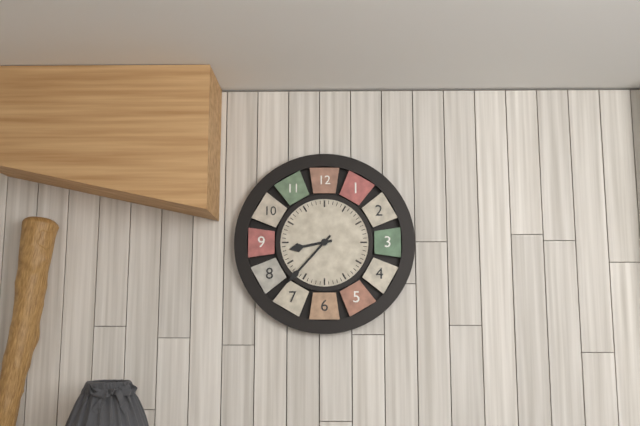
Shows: **8:37**
